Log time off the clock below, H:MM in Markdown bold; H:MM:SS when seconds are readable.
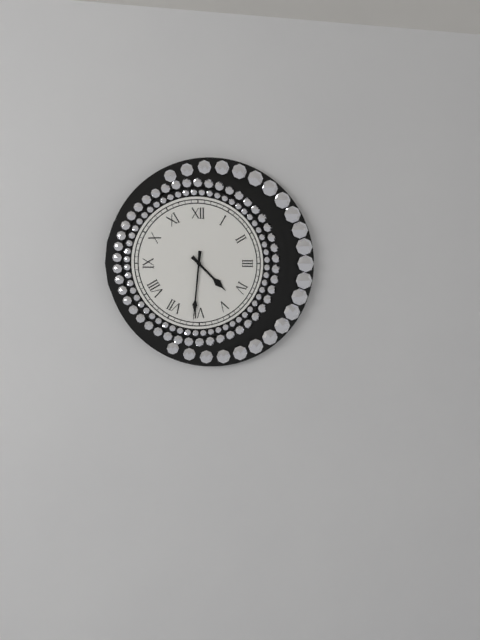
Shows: **4:31**
